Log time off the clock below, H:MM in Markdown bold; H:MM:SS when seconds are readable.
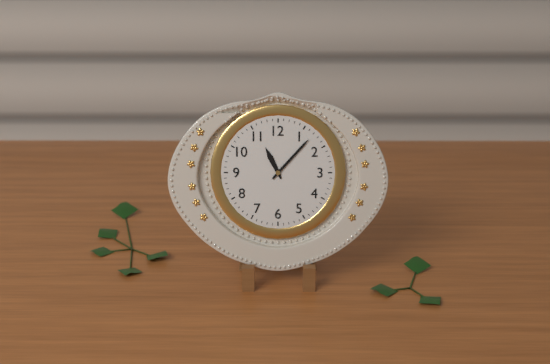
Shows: **11:07**
